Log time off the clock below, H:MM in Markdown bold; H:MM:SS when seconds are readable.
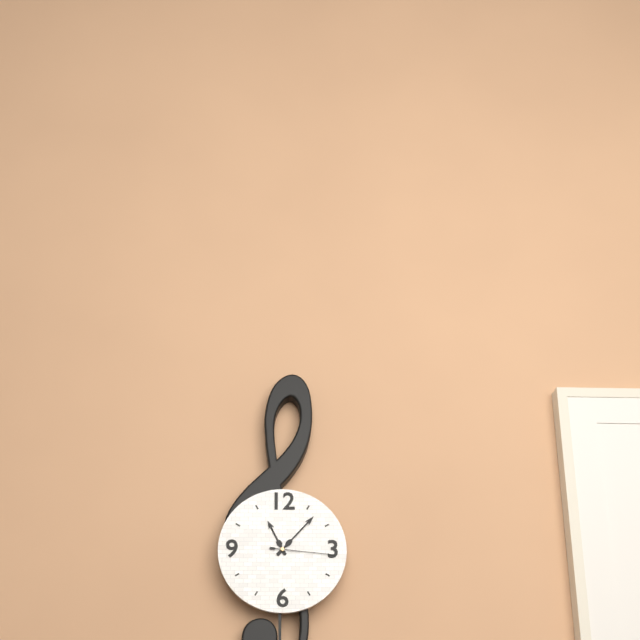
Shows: **11:07:16**
